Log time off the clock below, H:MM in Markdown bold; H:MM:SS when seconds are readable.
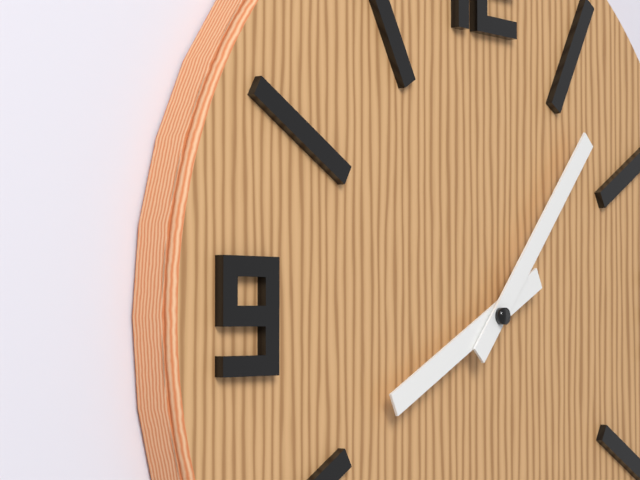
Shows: **8:07**
